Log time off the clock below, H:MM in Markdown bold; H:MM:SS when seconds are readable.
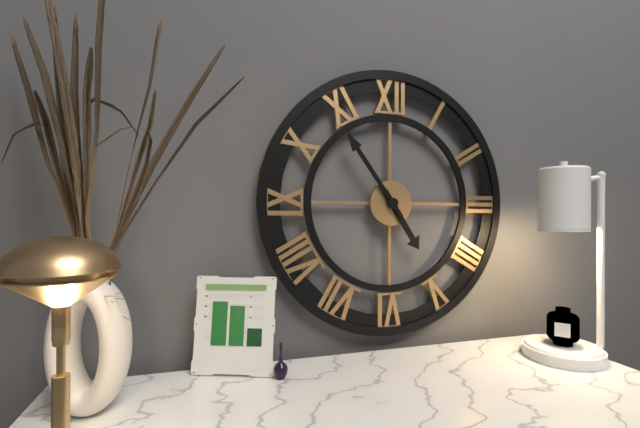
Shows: **4:54**
